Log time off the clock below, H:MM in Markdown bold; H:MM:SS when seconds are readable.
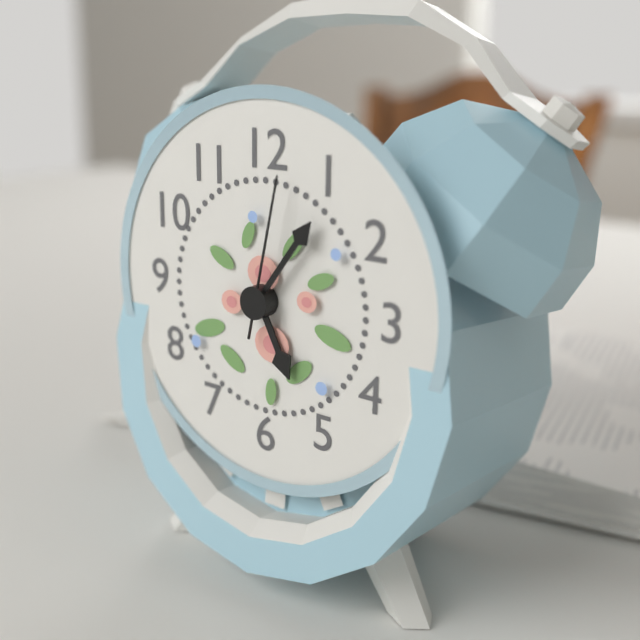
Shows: **5:06:02**
